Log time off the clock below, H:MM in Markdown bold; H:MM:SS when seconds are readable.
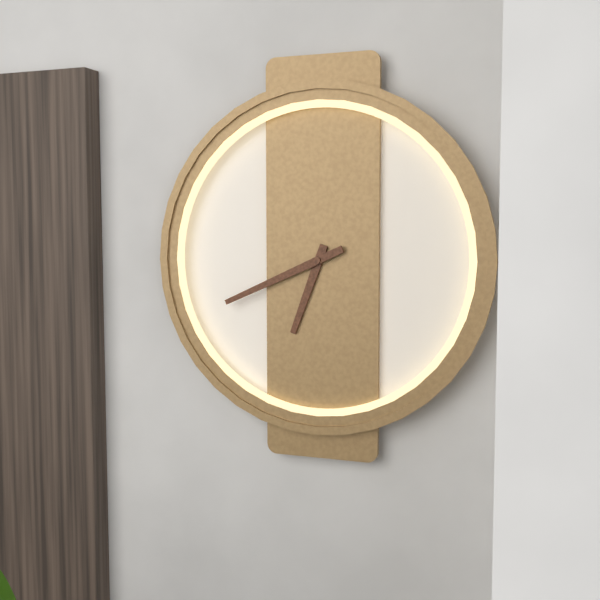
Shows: **6:41**
